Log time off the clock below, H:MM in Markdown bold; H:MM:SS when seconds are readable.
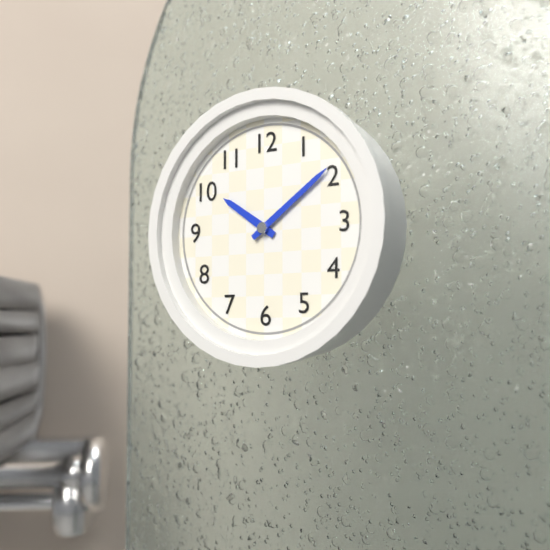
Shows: **10:09**
